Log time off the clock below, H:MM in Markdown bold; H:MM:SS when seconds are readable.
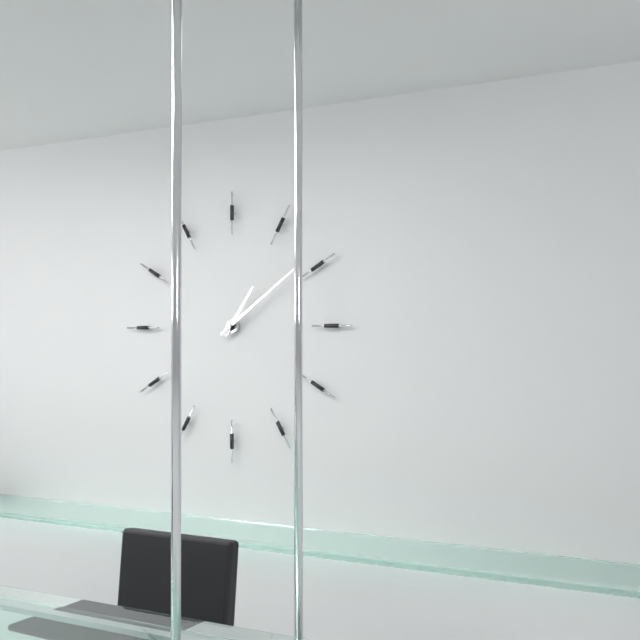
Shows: **1:09**
